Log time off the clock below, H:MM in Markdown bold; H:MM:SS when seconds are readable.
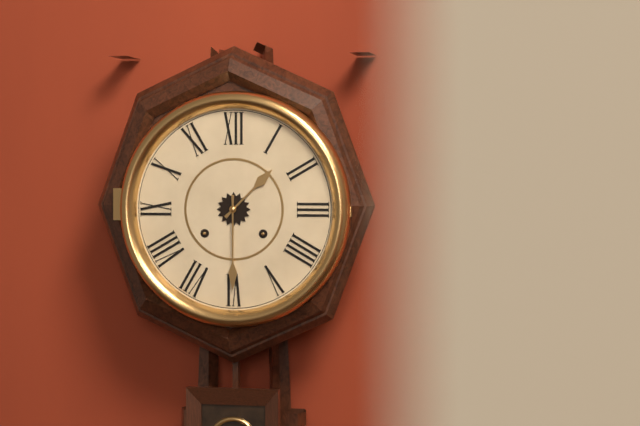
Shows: **1:30**
